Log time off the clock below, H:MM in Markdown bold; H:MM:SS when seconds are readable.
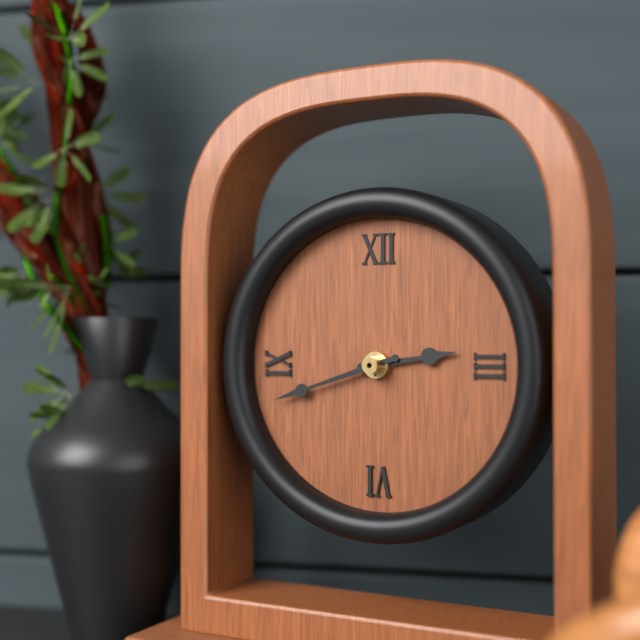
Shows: **2:42**
